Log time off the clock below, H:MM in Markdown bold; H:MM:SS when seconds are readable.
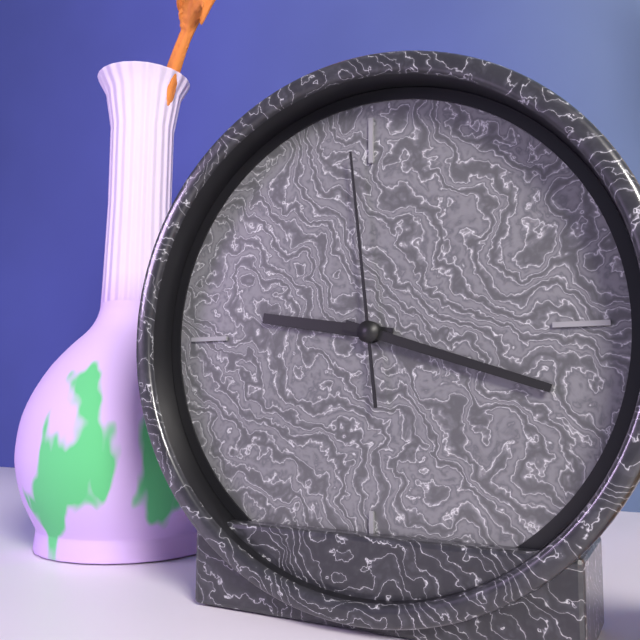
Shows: **9:18:59**
